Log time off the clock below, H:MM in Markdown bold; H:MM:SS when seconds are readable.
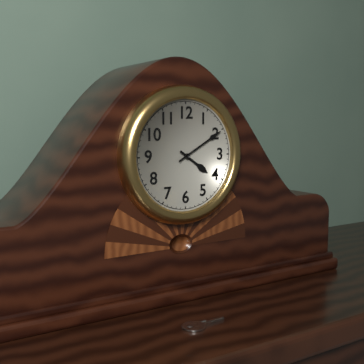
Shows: **4:10**
